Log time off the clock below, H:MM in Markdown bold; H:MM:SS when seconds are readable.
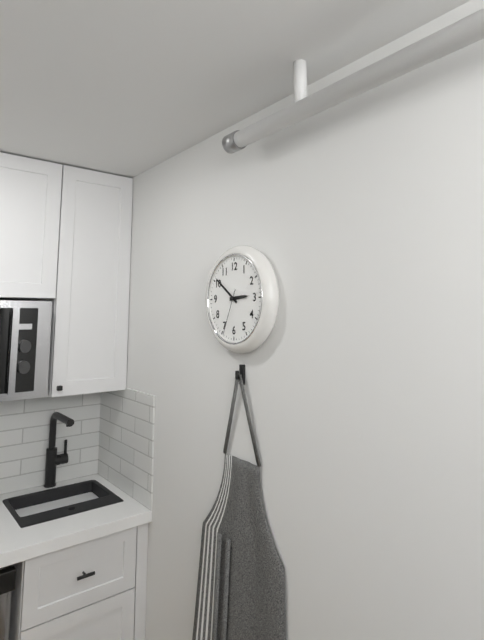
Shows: **2:51:34**
